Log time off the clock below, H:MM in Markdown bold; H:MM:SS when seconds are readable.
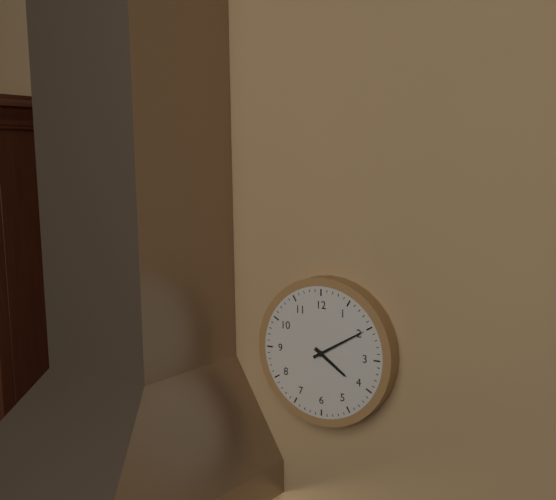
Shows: **4:10**
